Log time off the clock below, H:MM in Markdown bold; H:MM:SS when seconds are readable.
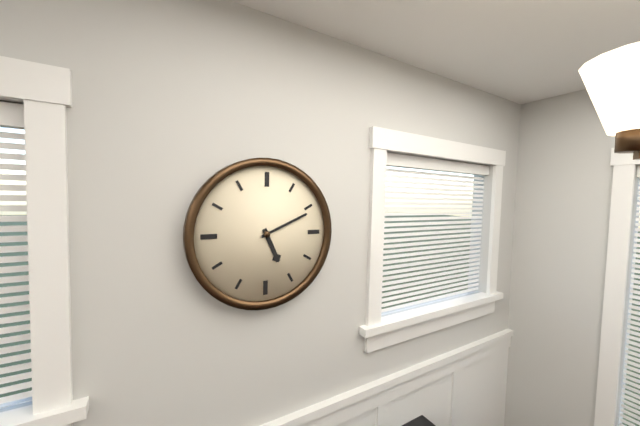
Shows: **5:11**
